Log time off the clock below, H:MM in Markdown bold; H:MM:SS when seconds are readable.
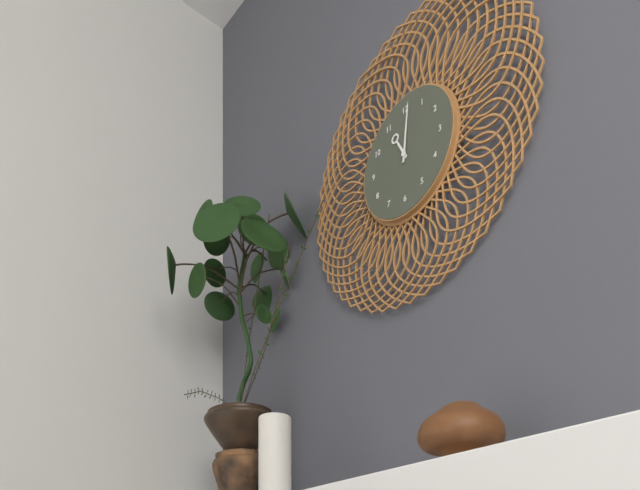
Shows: **11:01**
